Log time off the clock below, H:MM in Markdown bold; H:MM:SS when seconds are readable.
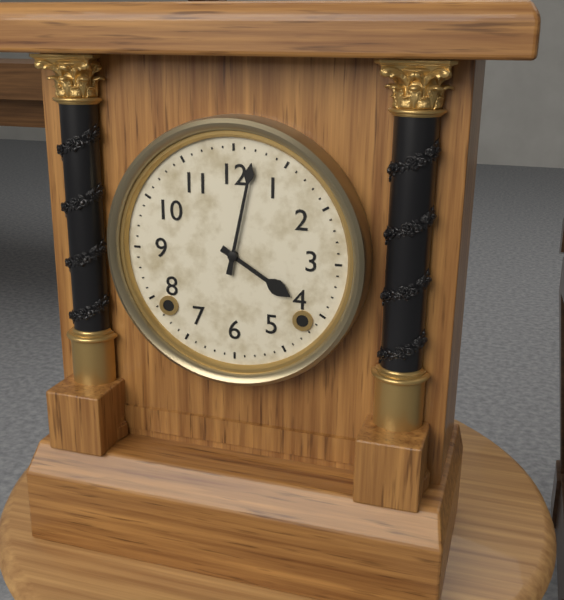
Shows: **4:02**
